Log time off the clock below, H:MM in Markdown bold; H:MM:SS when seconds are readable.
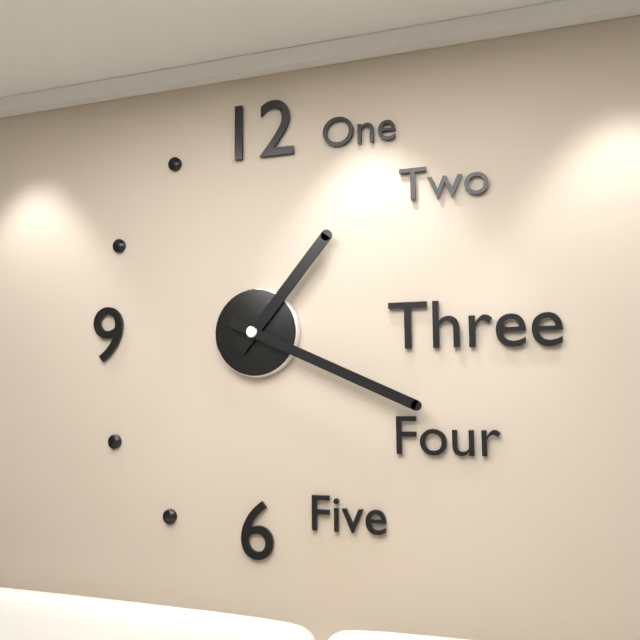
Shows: **1:19**
